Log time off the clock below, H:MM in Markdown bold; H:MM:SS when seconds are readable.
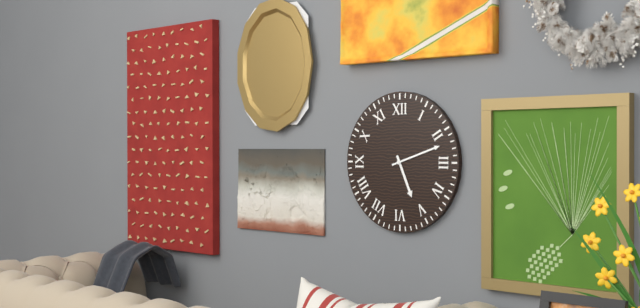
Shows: **5:12**
